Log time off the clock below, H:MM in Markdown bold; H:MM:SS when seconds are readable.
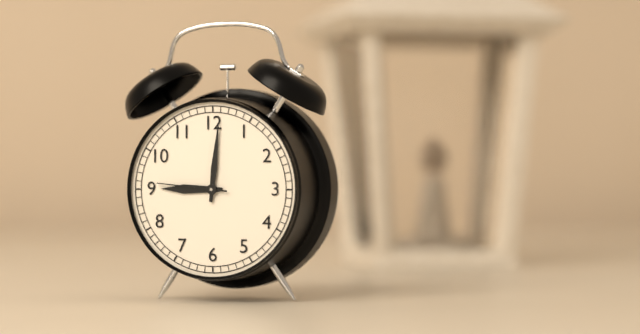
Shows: **9:01:46**
